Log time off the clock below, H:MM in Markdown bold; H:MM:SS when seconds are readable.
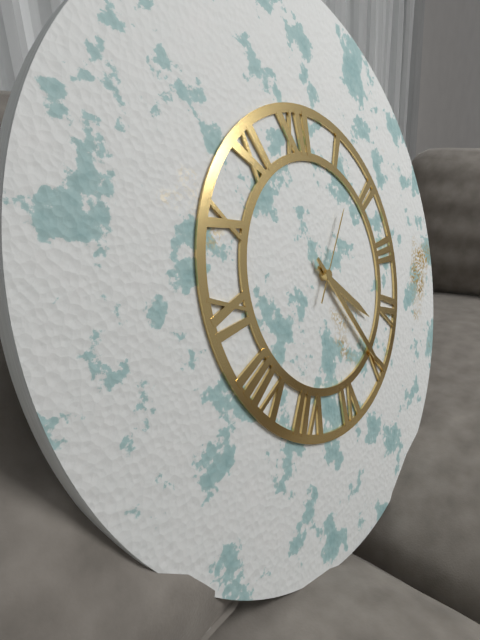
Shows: **4:25:07**
